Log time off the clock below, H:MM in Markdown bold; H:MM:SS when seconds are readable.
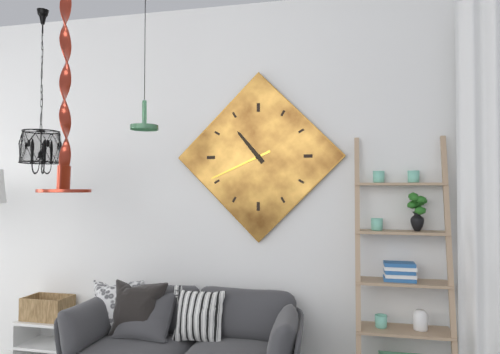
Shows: **10:41**
